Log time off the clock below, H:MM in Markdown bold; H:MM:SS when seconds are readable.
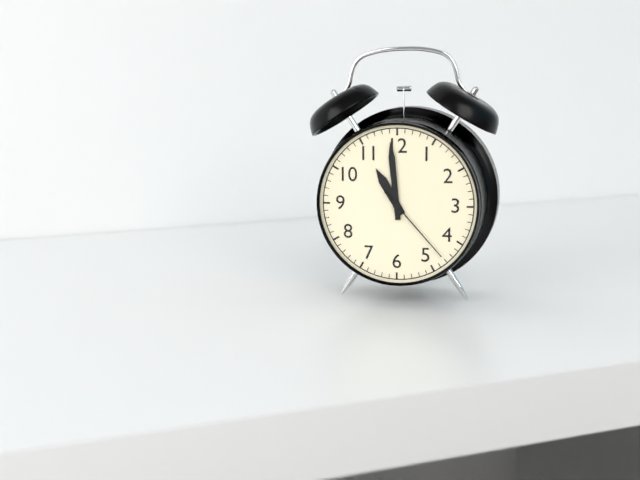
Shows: **10:59:23**
